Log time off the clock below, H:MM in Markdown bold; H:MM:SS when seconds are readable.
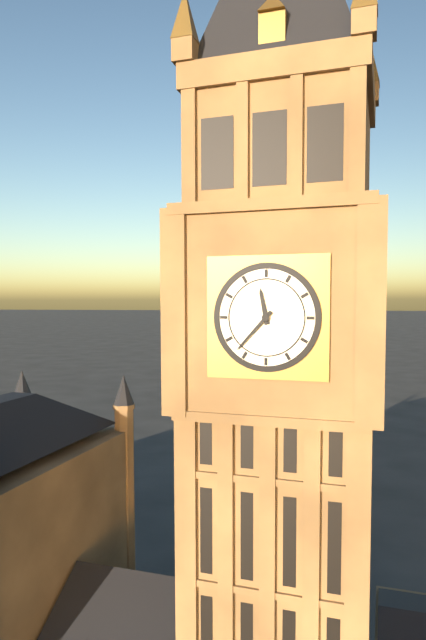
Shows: **11:37**
